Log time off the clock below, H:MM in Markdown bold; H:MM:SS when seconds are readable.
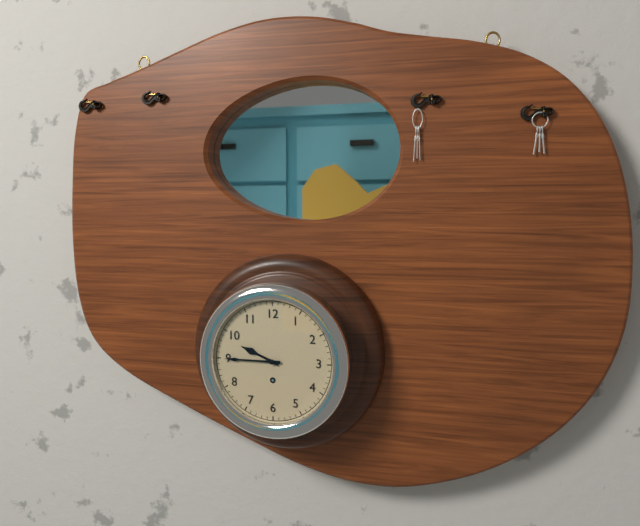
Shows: **9:45**
